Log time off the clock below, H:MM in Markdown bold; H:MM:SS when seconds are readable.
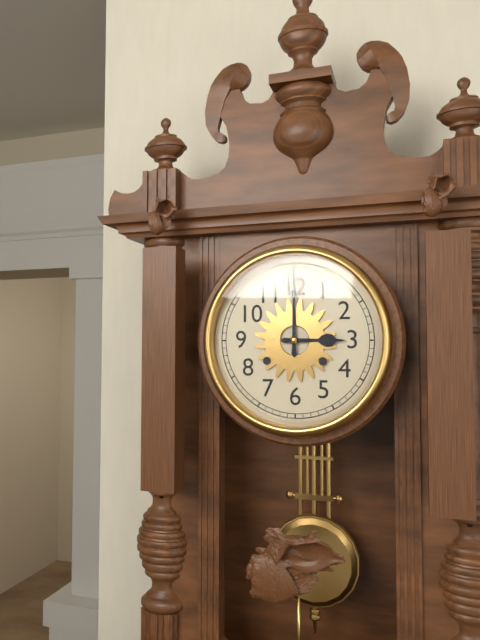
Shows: **3:00**
